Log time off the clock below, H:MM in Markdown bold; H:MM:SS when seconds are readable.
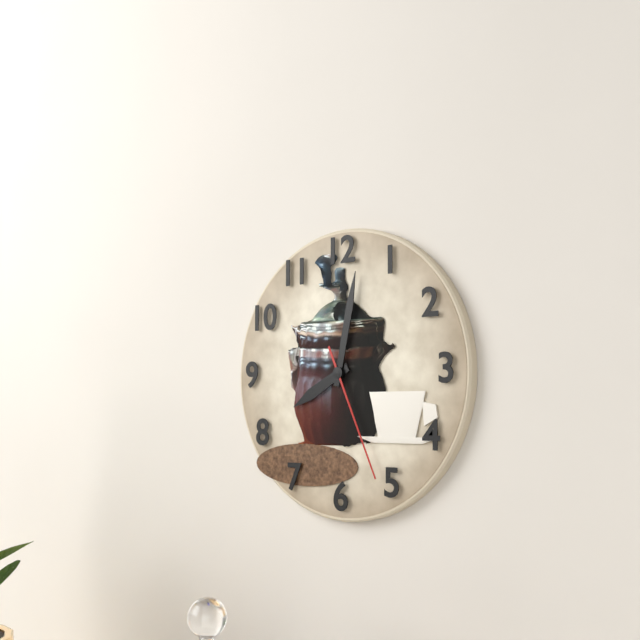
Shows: **8:02:26**
